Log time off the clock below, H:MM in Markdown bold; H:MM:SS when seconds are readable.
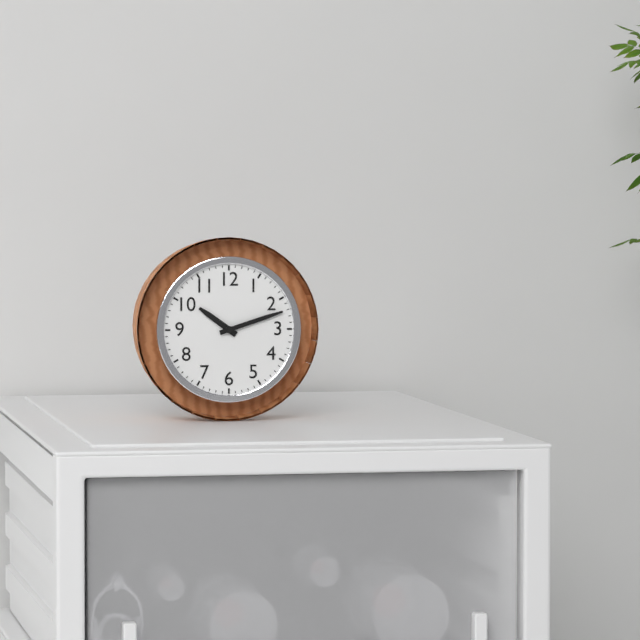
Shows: **10:12**
